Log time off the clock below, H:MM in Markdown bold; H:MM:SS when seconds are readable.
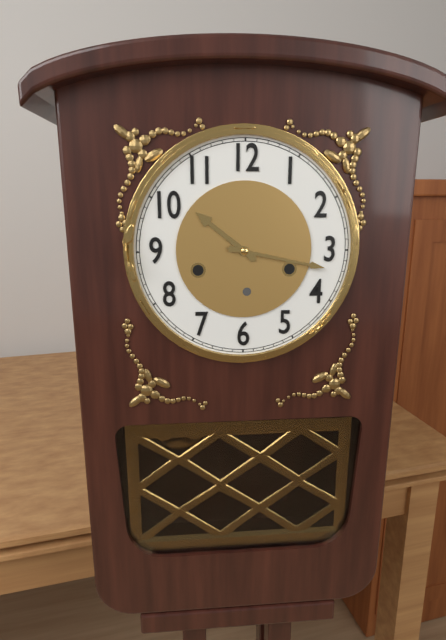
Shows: **10:17**
